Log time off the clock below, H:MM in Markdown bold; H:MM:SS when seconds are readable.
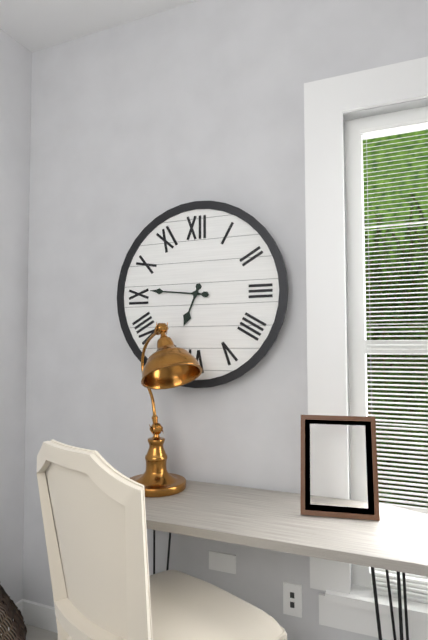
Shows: **6:46**
